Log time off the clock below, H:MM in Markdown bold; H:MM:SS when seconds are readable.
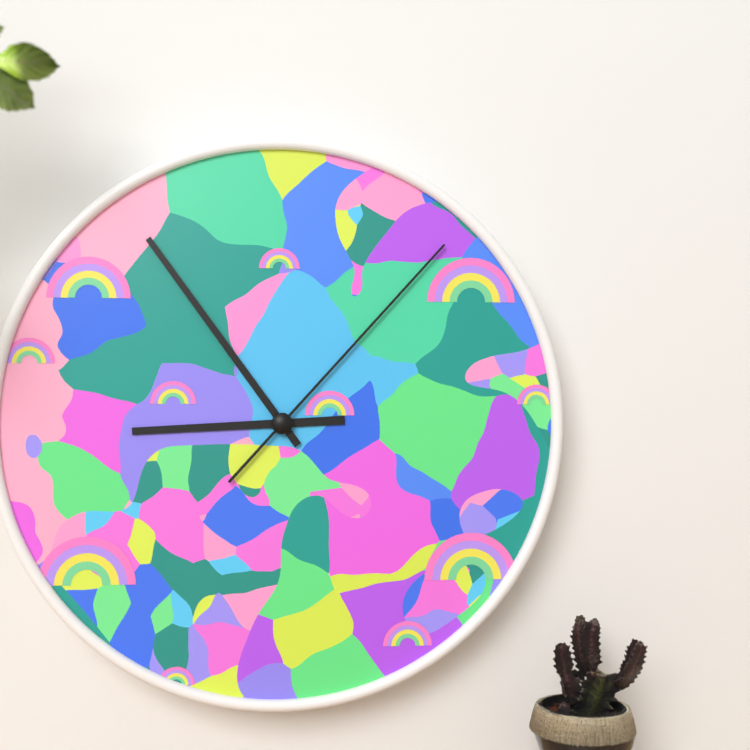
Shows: **8:54:07**
